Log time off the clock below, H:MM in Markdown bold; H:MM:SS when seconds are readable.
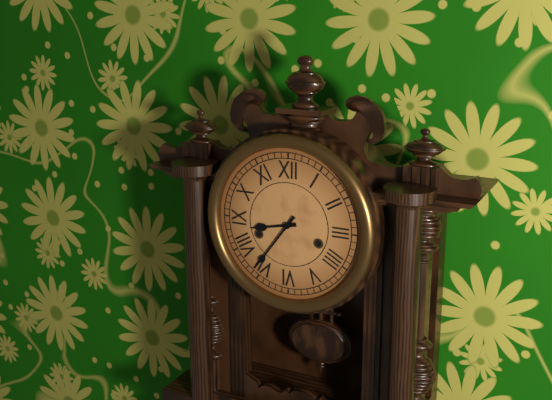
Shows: **8:36**
